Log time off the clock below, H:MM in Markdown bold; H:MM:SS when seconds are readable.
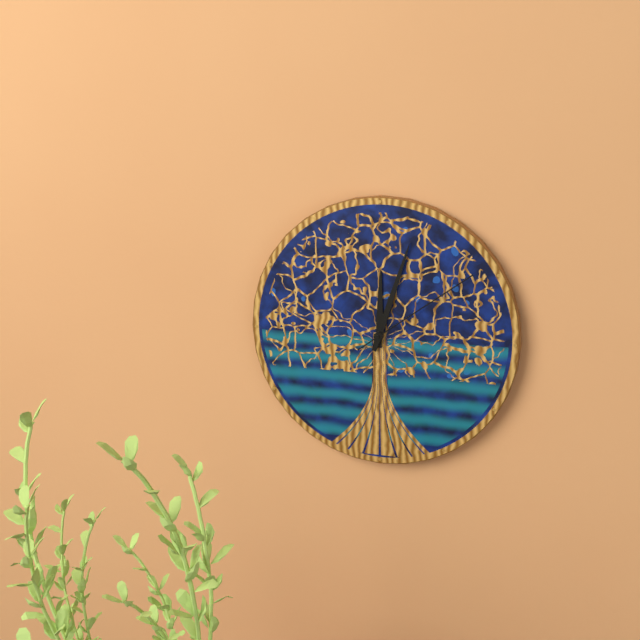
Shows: **12:03:09**
